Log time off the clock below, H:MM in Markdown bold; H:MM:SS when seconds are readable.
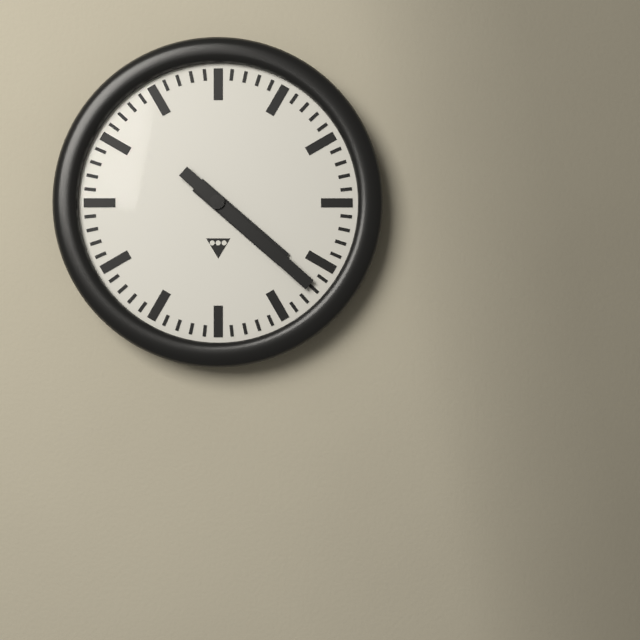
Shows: **4:22**
